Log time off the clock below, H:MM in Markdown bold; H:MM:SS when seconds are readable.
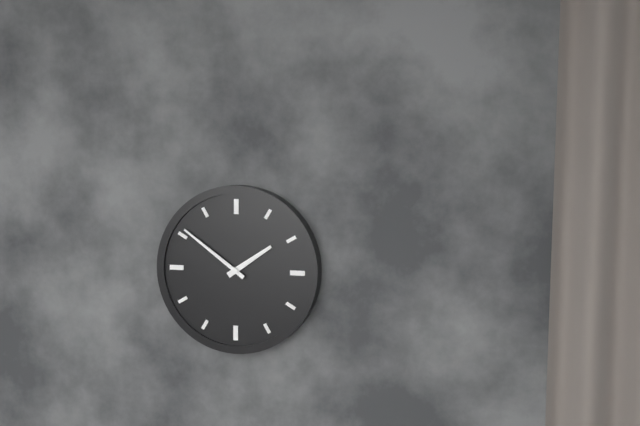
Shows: **1:51**
